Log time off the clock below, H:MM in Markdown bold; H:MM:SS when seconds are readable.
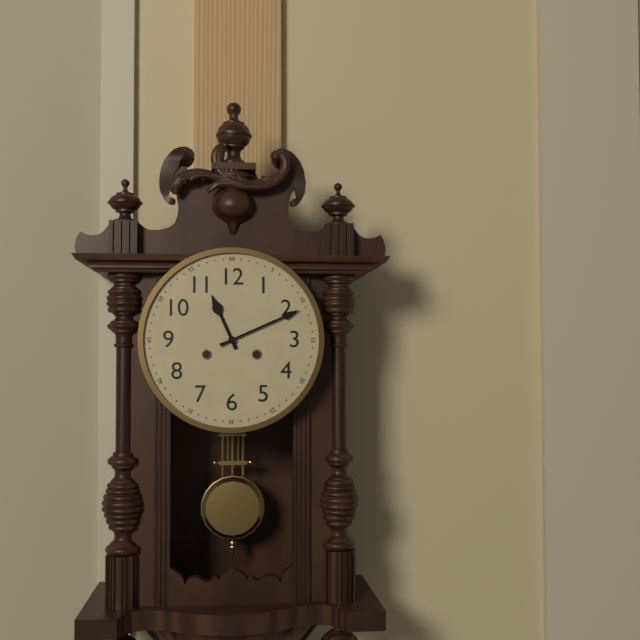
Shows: **11:11**
